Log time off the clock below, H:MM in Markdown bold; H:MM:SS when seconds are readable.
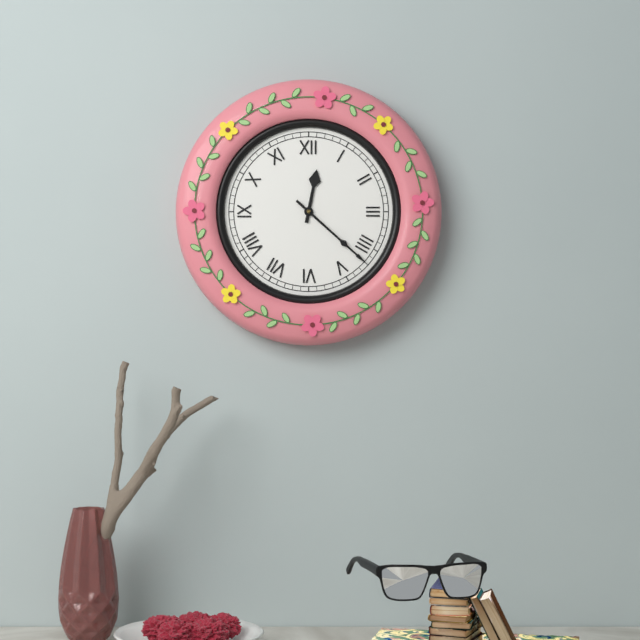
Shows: **12:22**
